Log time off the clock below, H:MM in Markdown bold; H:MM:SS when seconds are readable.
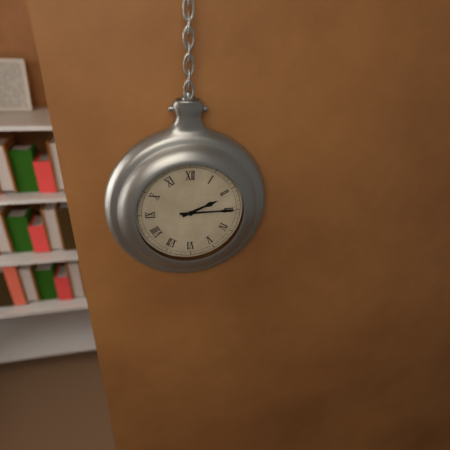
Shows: **2:15**
